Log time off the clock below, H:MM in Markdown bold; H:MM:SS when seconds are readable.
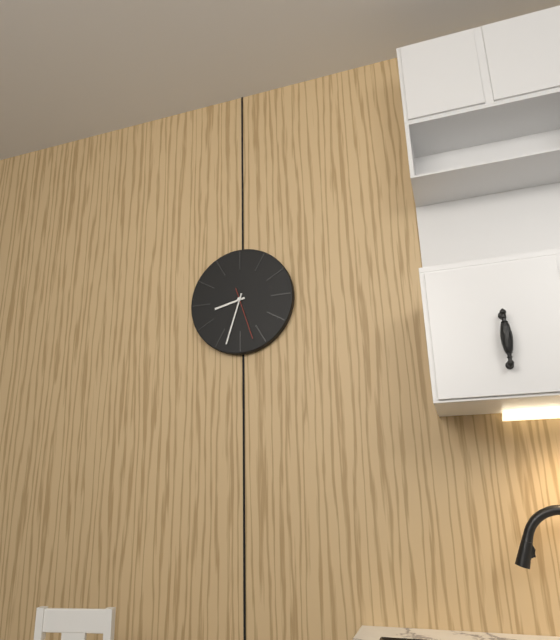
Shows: **8:33:27**
